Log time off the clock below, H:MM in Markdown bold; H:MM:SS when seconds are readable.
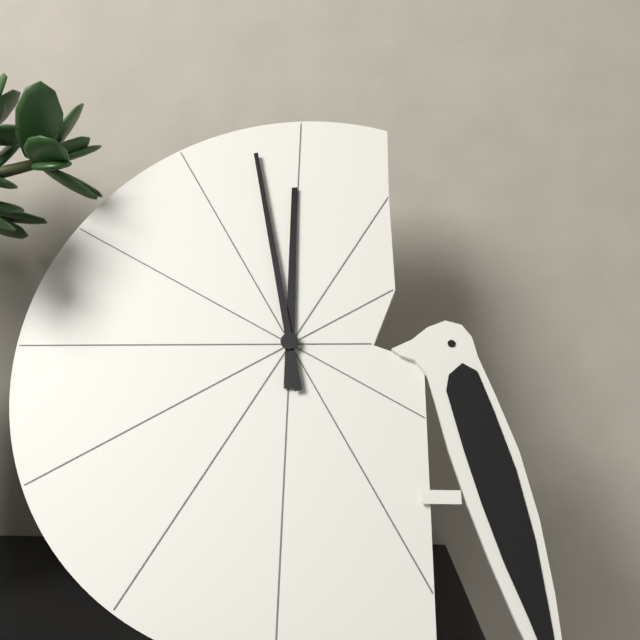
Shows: **11:58**
